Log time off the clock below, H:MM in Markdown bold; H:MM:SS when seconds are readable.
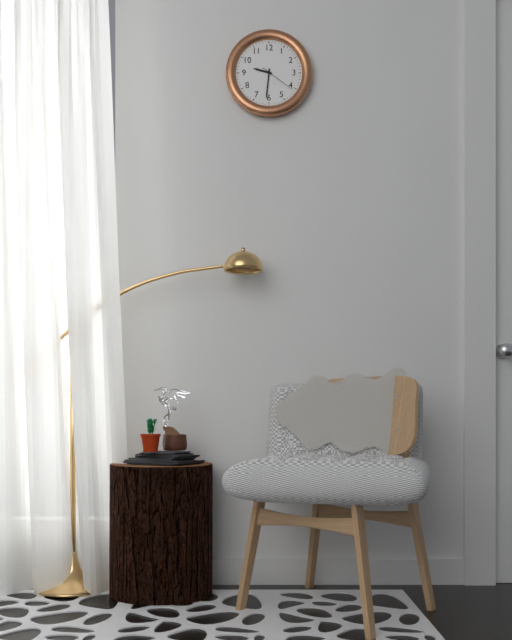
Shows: **9:31**
